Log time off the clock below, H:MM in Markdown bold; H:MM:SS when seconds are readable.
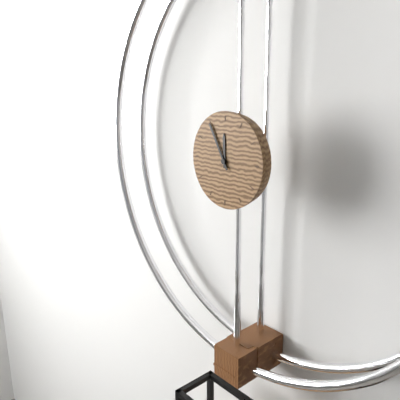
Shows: **11:55**
